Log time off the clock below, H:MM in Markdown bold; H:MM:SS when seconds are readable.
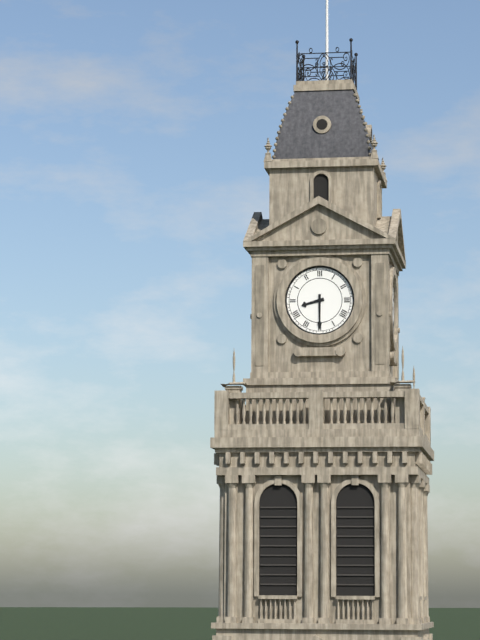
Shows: **8:30**
